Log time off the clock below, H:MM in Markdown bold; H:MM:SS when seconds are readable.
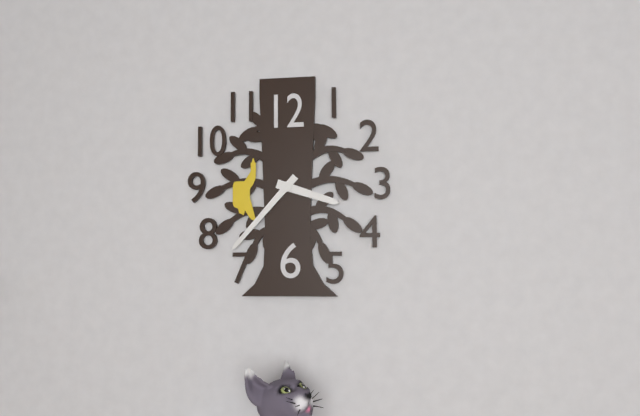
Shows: **3:37**
